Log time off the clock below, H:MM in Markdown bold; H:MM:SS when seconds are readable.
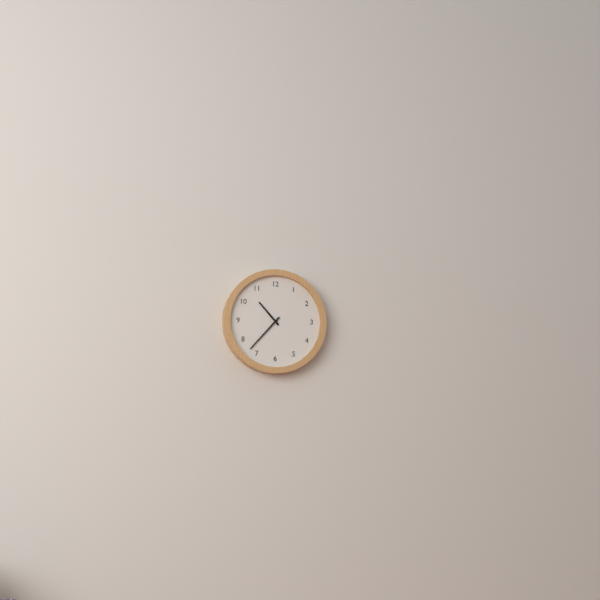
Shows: **10:37**
